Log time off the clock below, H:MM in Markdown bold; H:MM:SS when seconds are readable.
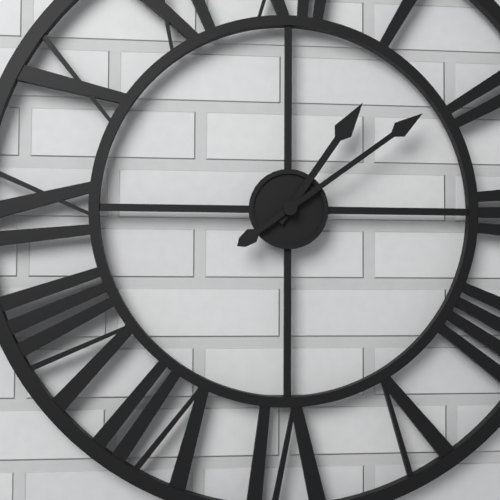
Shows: **1:09**
